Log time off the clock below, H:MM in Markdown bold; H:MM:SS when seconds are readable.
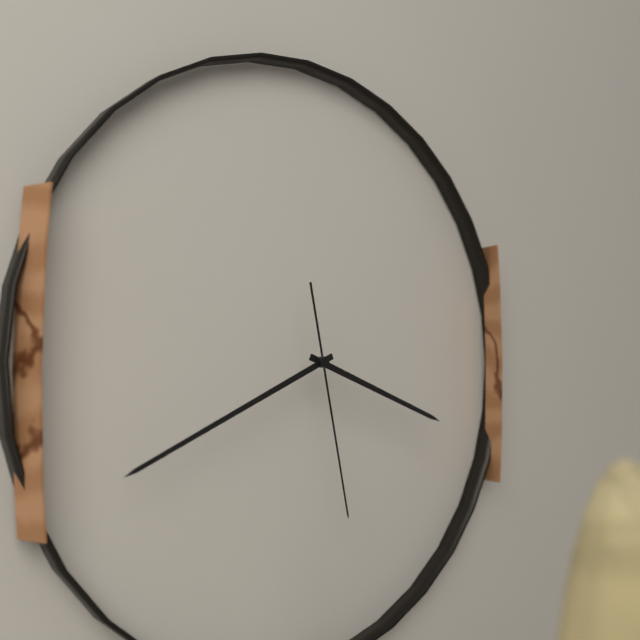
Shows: **3:41:28**
